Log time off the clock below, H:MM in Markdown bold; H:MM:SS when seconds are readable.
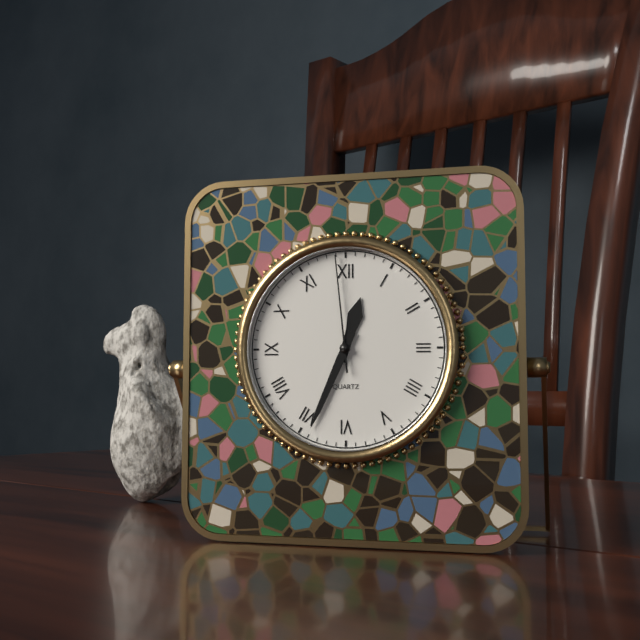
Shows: **12:34:59**
